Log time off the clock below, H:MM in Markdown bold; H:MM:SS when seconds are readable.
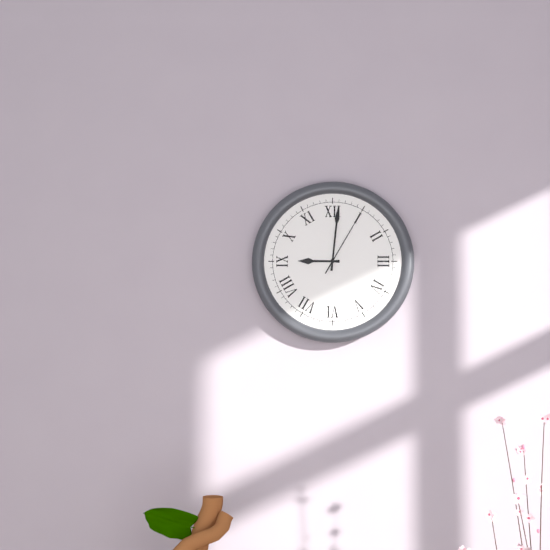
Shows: **9:01:05**
